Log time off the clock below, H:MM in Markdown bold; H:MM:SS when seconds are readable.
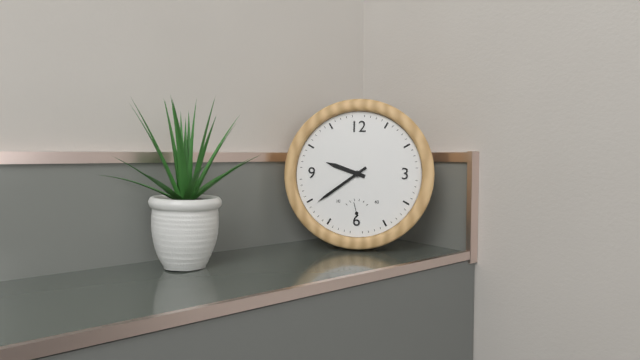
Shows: **9:39**
